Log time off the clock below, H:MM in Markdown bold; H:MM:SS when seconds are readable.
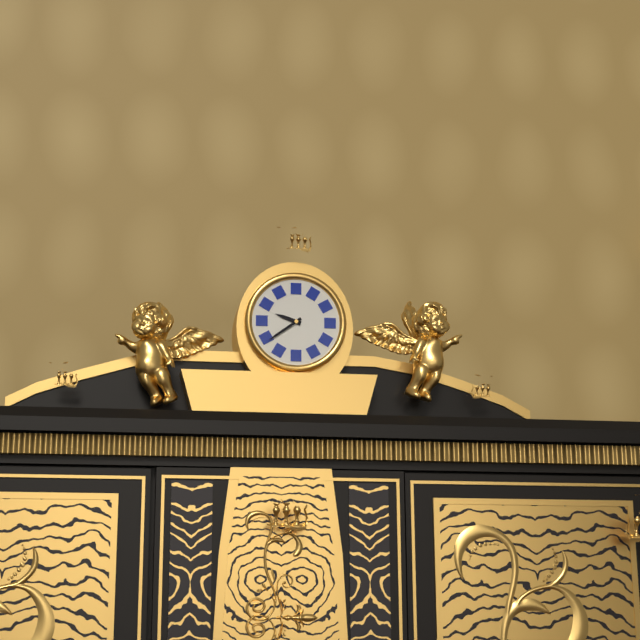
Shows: **9:39**
